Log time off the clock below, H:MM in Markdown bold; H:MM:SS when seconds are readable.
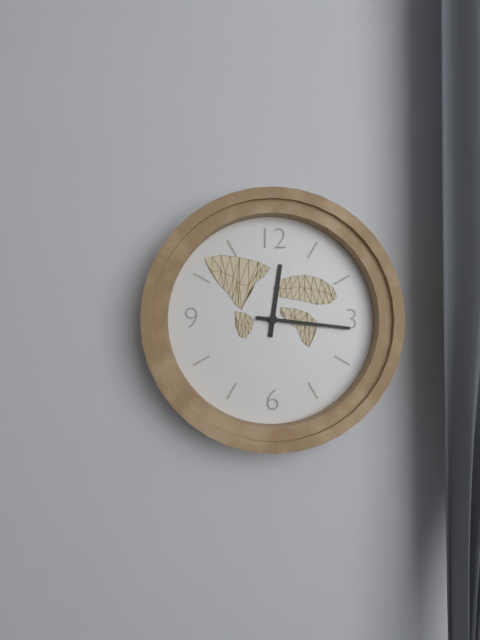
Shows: **12:16**
